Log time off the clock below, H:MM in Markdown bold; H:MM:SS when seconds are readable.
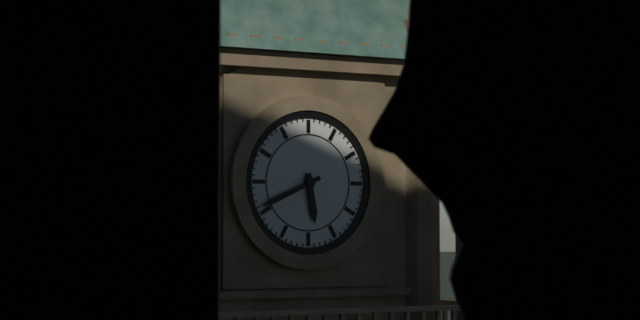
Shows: **5:41**
